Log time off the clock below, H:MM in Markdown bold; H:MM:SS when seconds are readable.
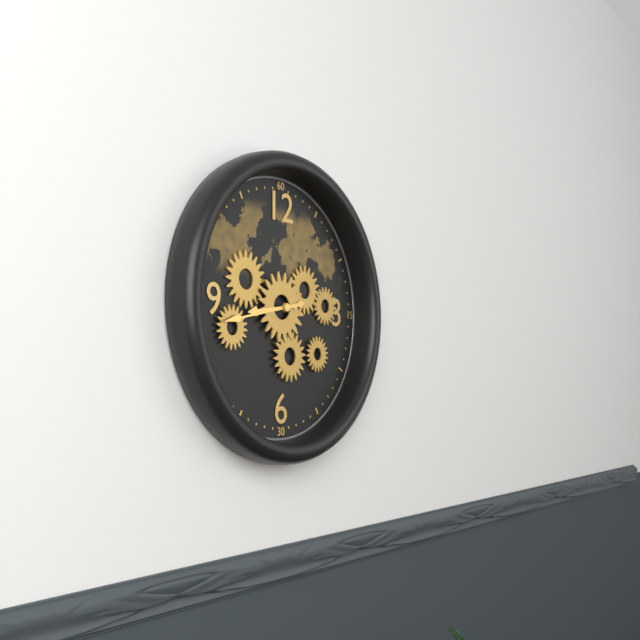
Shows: **8:43**
